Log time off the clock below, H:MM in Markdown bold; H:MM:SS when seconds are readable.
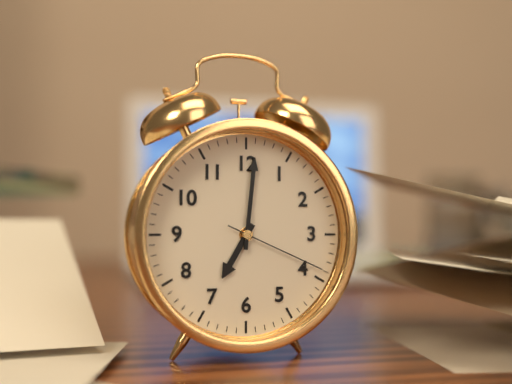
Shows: **7:01:19**
